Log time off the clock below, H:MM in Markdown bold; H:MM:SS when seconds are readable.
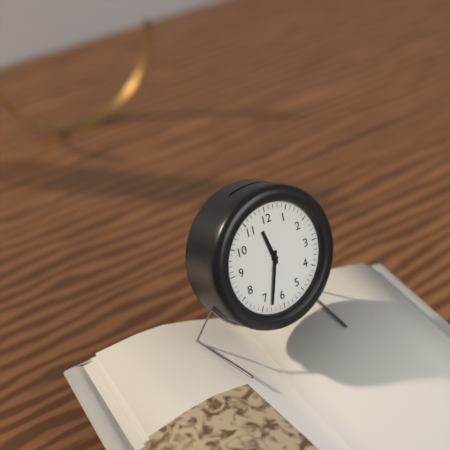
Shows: **11:33**
